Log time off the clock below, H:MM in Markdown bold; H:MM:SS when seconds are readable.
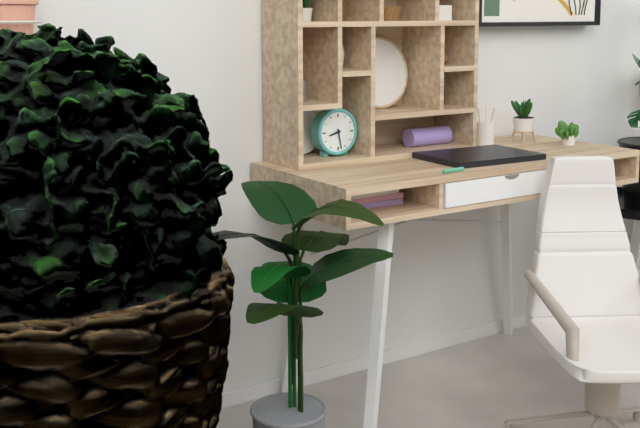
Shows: **8:28**
